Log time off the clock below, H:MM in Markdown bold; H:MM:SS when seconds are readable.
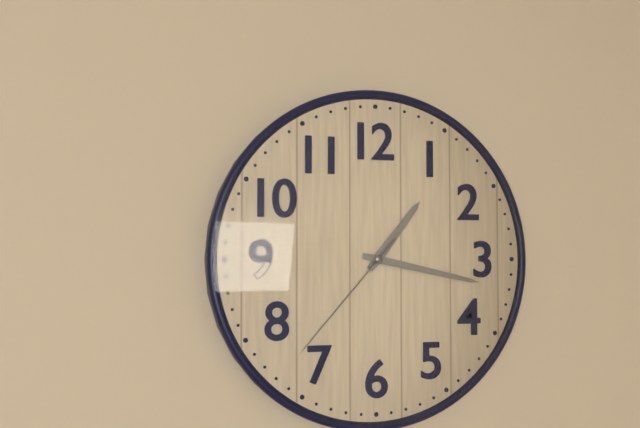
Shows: **1:17:37**
